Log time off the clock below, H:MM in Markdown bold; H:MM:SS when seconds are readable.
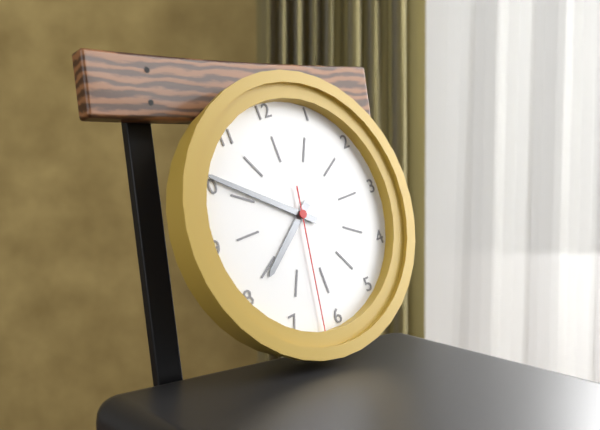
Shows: **7:51:32**
